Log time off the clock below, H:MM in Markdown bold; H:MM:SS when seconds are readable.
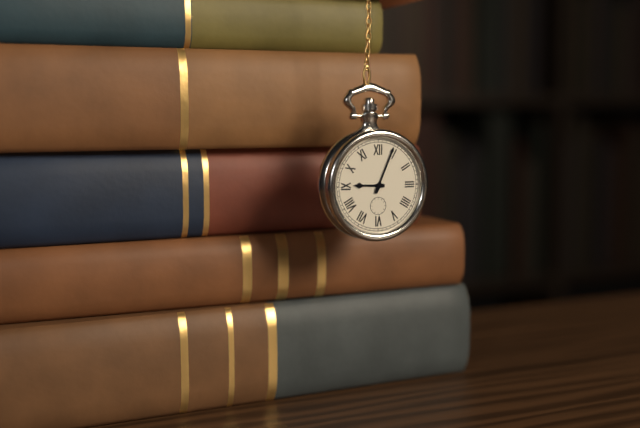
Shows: **9:04**
